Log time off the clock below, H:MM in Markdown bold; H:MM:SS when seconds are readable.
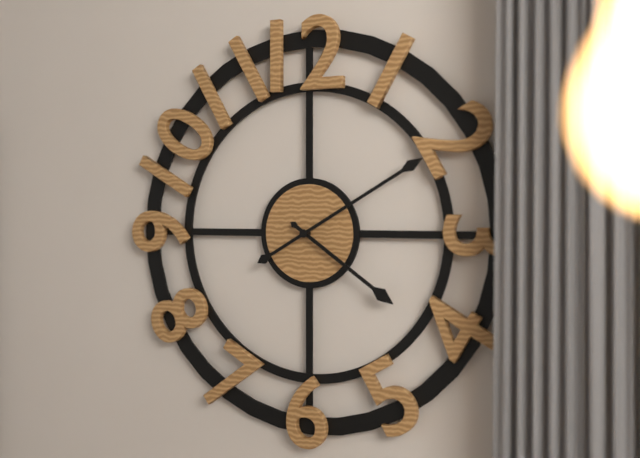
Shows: **4:10**
